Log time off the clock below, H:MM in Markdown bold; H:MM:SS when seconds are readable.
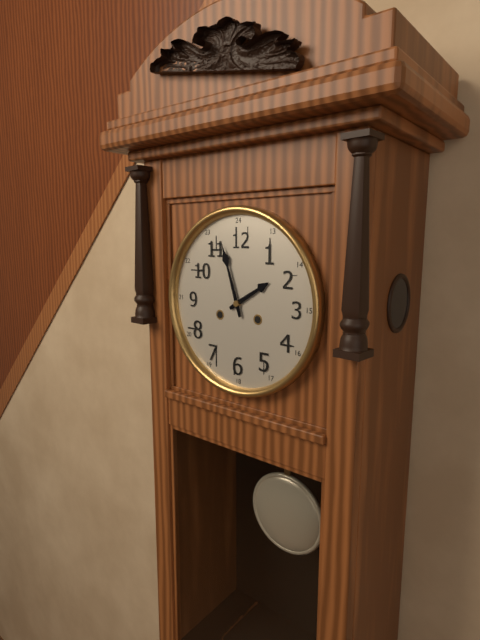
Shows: **1:57**
